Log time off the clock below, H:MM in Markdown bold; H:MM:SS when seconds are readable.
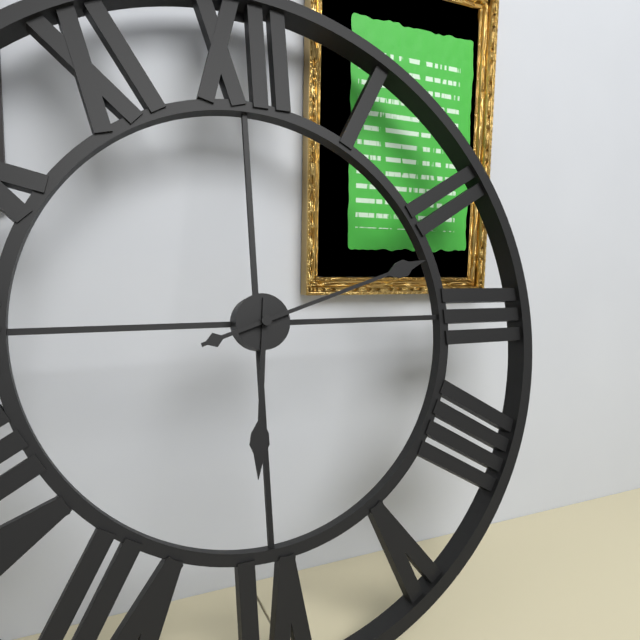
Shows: **6:12**
